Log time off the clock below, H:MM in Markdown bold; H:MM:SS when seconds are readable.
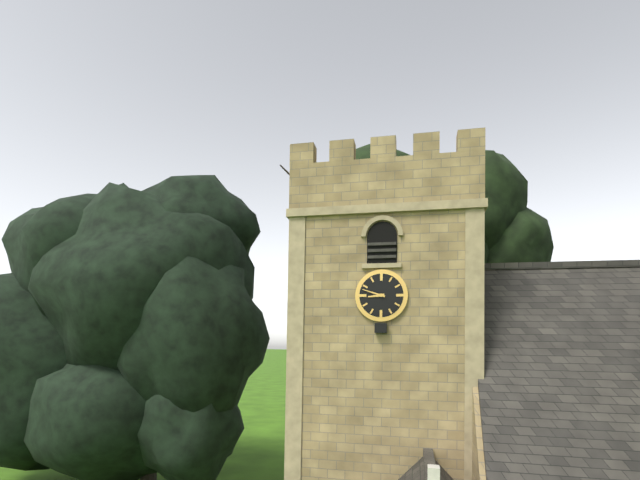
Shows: **8:48**
